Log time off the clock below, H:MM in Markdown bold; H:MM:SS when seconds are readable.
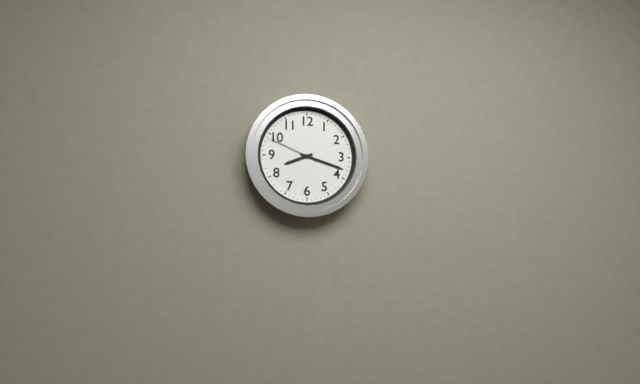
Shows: **8:18:49**
